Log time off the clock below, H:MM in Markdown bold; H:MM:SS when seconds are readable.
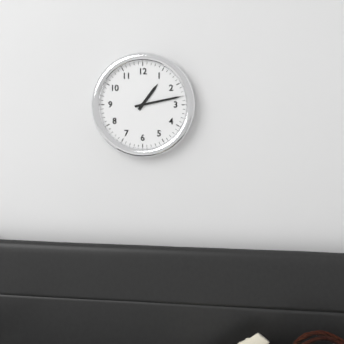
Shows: **1:13**
